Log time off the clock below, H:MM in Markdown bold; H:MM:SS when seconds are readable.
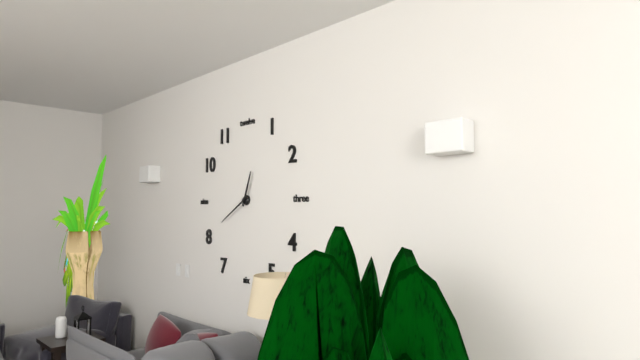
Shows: **12:40**
